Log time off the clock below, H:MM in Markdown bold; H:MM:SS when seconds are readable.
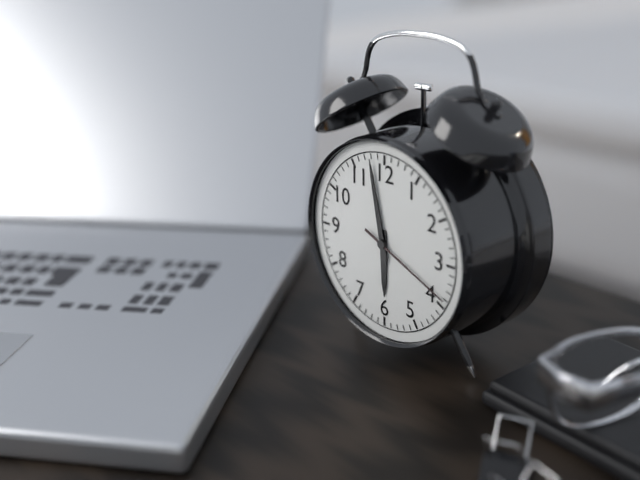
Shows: **5:58:19**
